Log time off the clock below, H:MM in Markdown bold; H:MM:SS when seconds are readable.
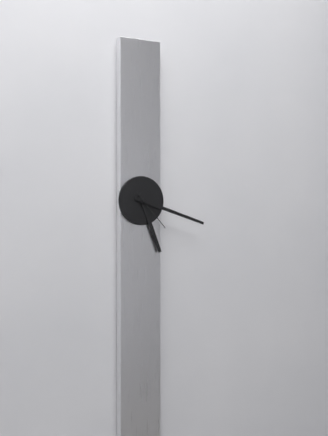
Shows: **5:18**
